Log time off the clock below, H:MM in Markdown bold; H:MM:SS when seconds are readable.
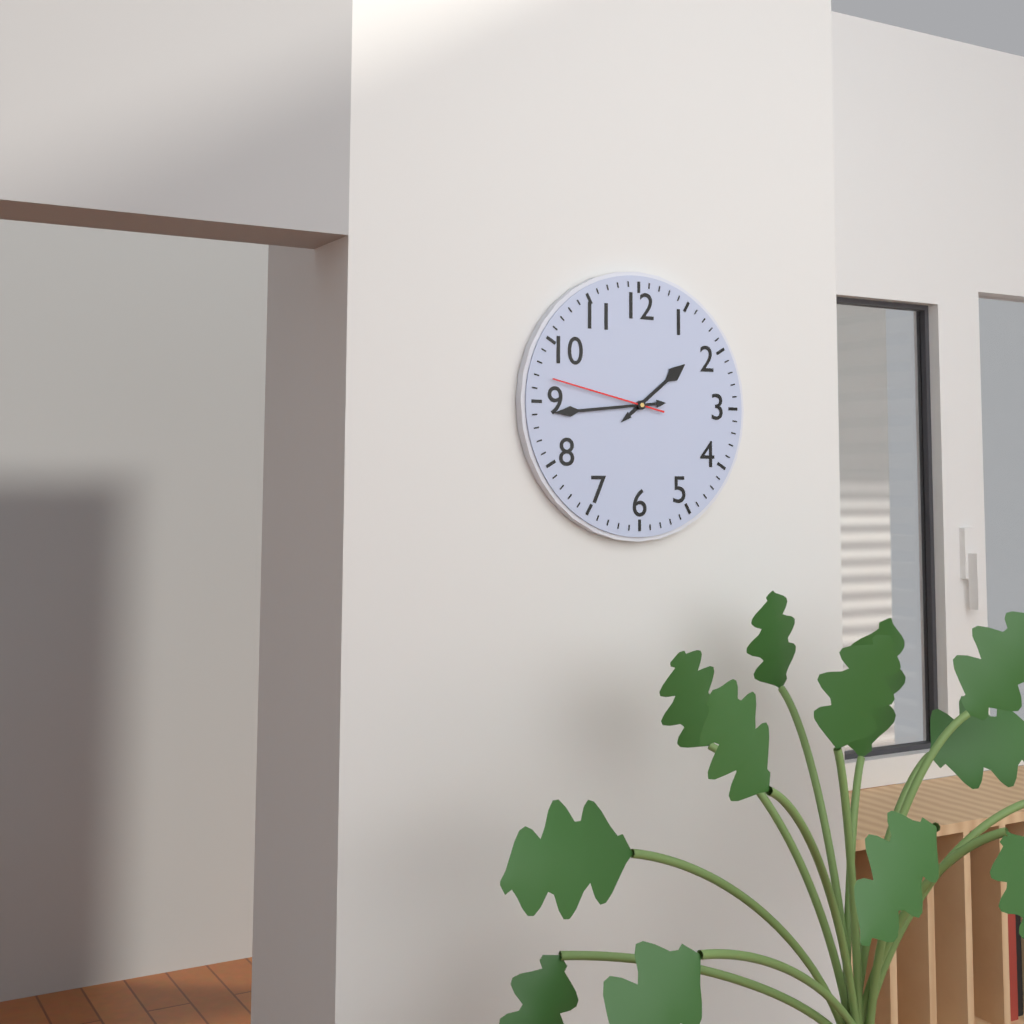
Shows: **1:44:47**
